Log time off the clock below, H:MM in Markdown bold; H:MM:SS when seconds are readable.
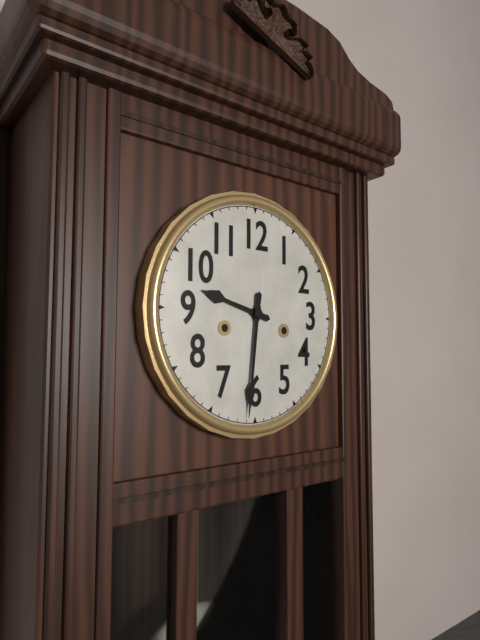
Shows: **9:31**
